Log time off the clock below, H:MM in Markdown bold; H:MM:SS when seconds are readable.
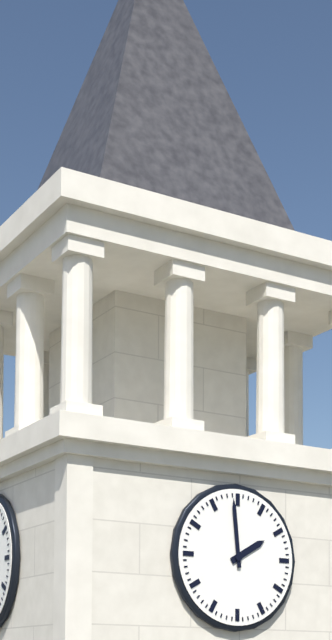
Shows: **1:59**
